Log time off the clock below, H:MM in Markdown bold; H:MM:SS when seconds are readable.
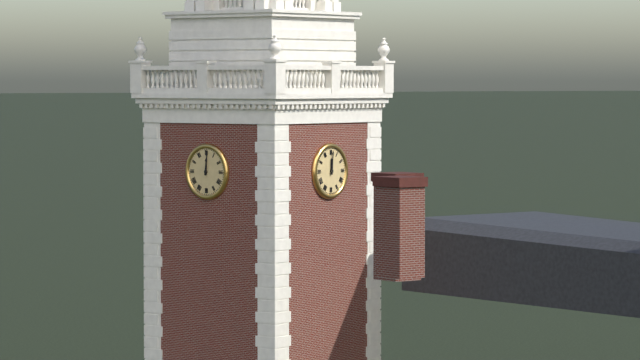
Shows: **12:01**
